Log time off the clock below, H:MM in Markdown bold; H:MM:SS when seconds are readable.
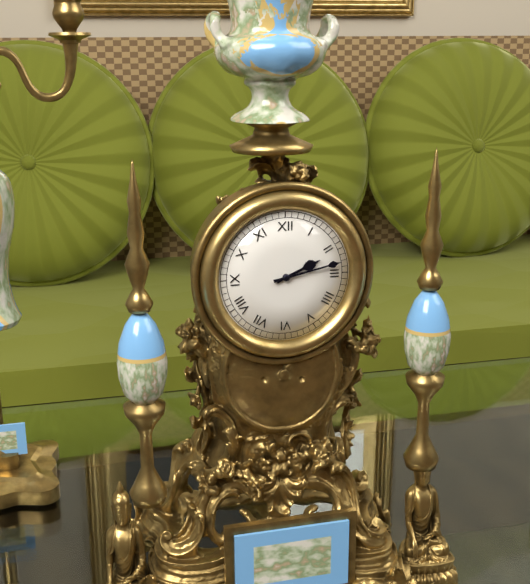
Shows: **2:13**
